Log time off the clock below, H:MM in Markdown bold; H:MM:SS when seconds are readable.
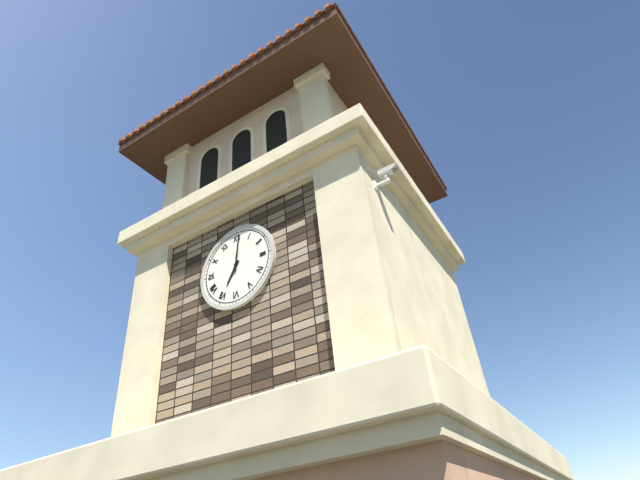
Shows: **7:01**
